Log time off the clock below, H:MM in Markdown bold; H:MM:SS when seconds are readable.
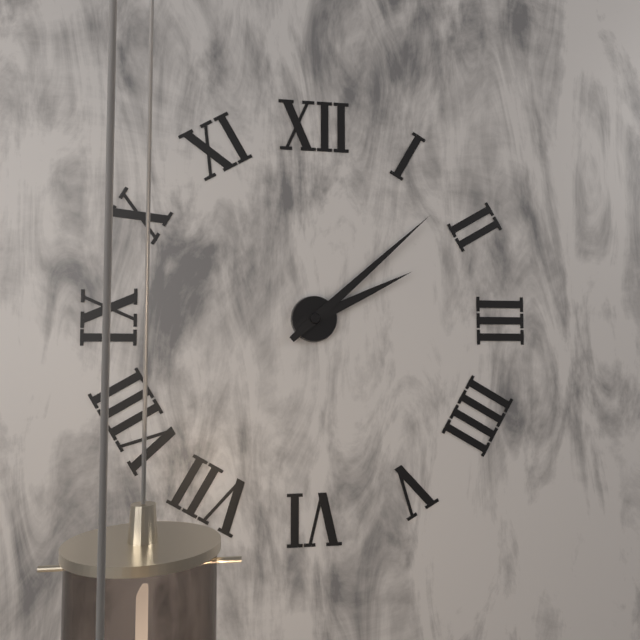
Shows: **2:08**
